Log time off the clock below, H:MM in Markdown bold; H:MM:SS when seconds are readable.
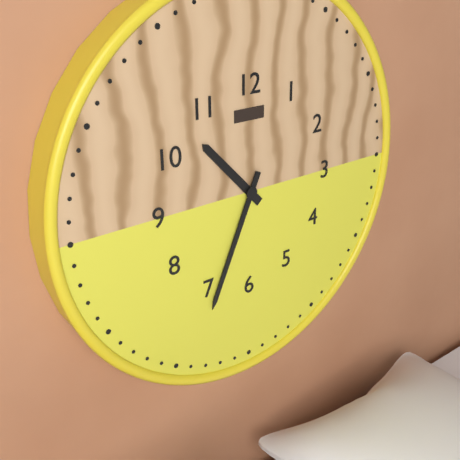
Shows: **10:34**
